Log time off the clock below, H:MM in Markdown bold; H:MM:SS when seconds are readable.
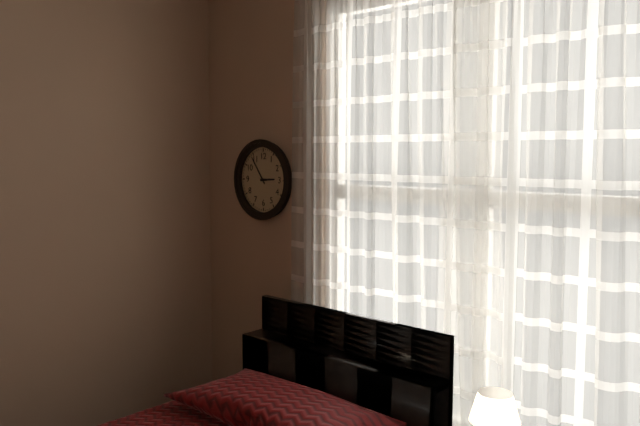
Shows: **2:54**
